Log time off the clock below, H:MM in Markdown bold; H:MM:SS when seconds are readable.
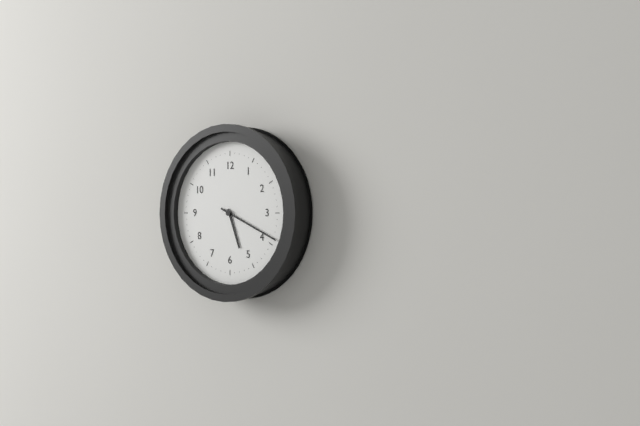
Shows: **5:19**
